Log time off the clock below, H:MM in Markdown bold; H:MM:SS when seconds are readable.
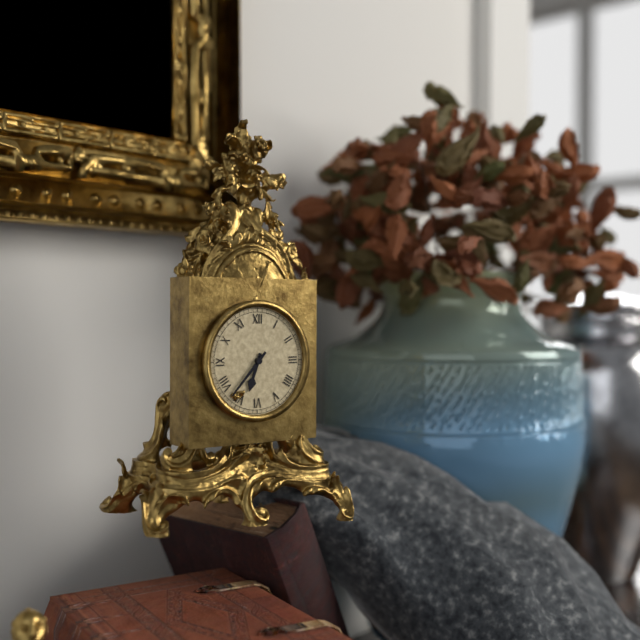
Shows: **6:37**
